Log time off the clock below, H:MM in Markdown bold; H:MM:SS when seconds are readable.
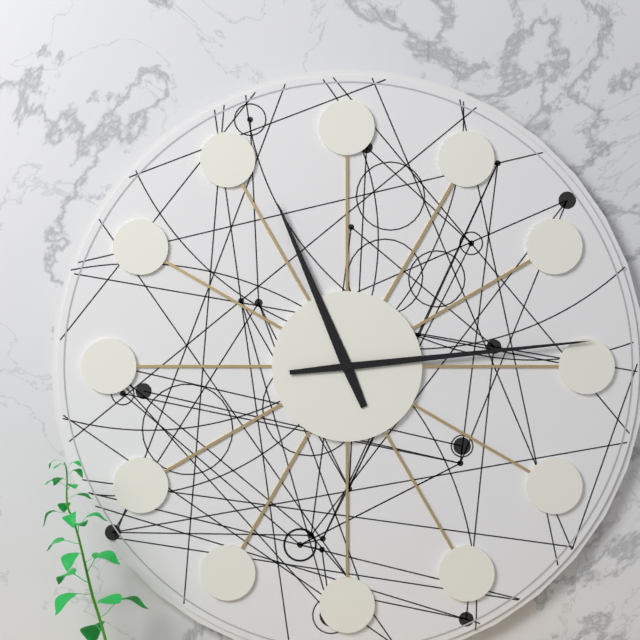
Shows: **11:14**
